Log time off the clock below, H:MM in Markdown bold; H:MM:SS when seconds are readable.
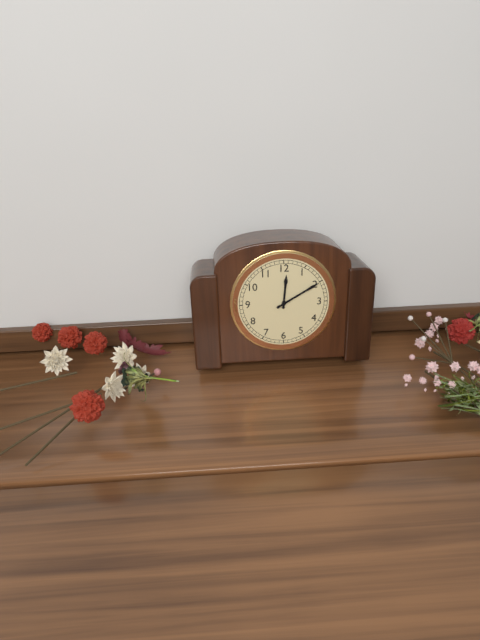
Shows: **12:10**
